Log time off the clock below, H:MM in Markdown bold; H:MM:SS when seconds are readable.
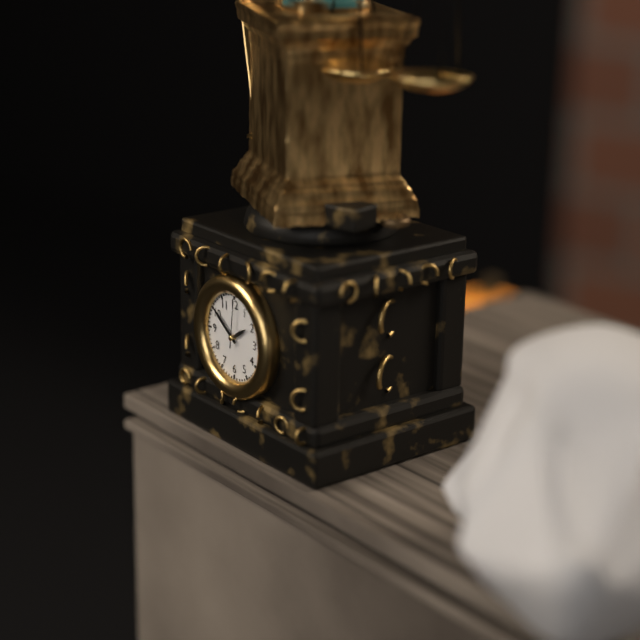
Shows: **1:51**
